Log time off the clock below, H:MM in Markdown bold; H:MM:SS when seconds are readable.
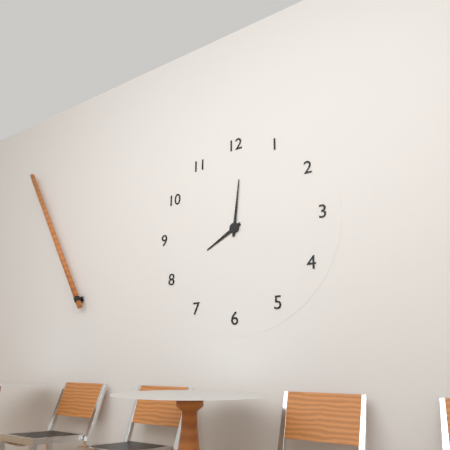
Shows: **8:01**
